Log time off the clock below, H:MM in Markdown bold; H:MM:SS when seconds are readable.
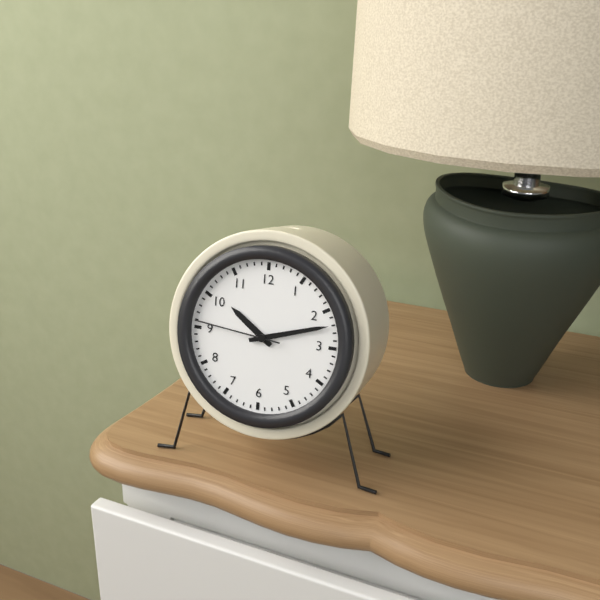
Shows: **10:12:46**
